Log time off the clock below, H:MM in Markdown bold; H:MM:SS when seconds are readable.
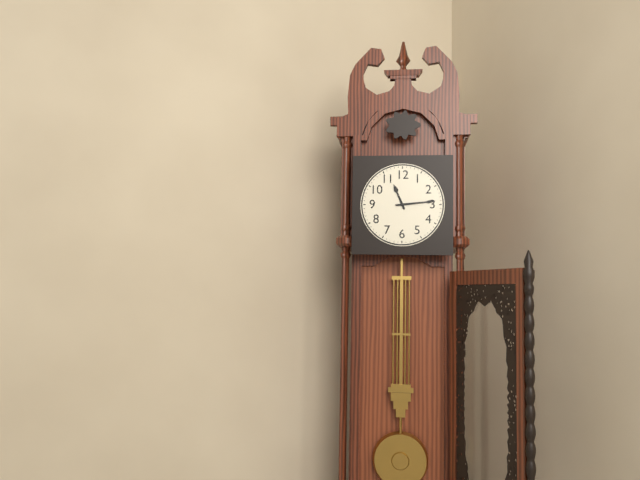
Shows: **11:14**
